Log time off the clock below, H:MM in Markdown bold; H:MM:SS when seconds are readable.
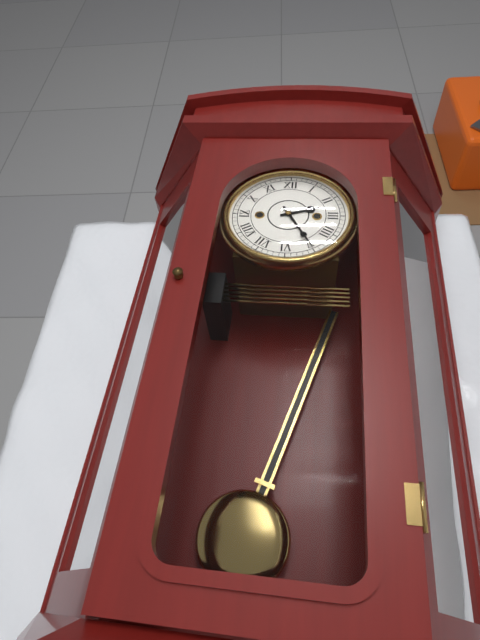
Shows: **2:25**
